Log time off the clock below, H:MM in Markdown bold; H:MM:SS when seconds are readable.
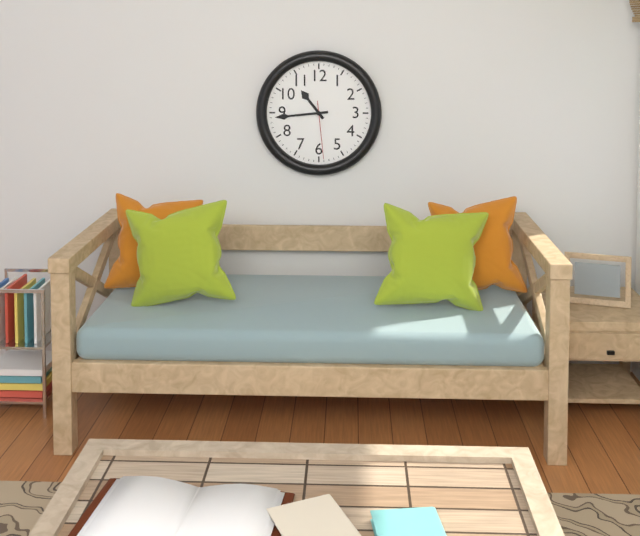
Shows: **10:44:29**
